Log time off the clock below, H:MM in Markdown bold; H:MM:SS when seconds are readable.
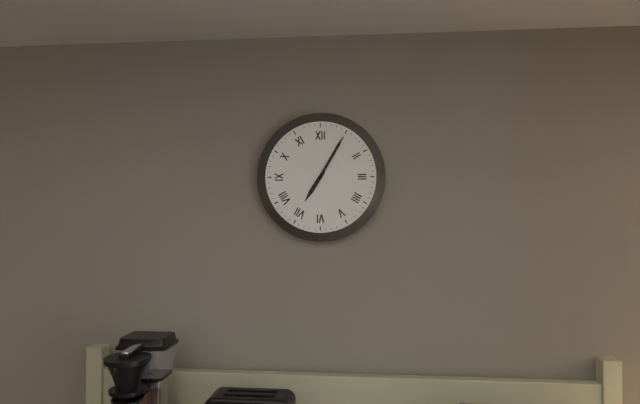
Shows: **7:05**
